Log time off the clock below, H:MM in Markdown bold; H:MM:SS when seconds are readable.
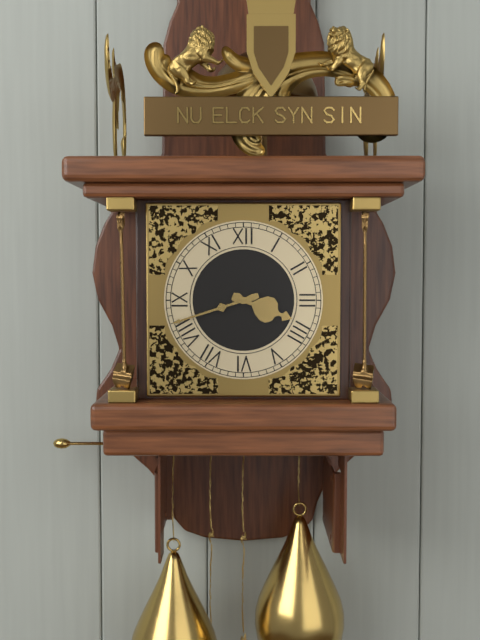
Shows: **3:42**
